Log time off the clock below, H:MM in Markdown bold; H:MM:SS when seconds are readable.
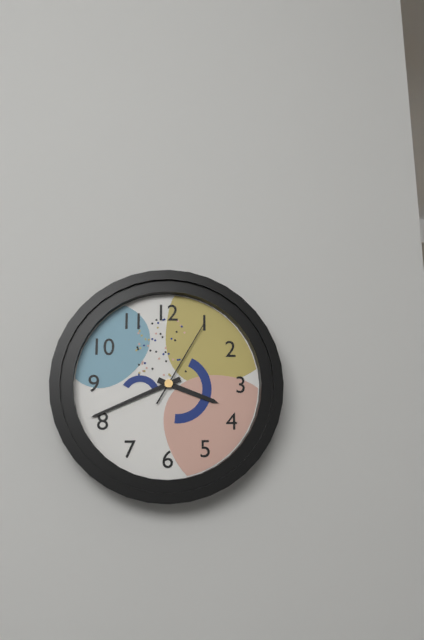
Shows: **3:41:05**
